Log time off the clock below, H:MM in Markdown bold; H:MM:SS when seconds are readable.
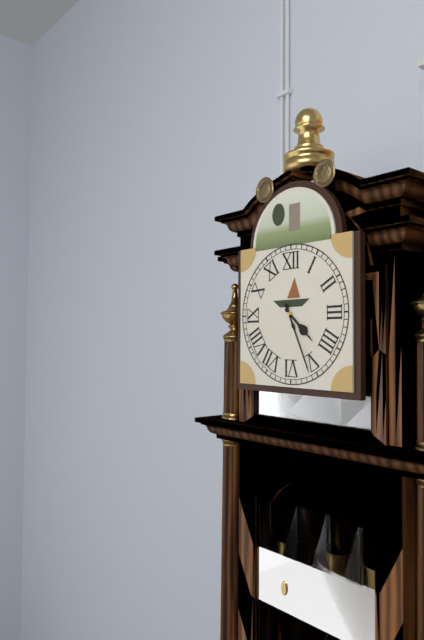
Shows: **4:26**
